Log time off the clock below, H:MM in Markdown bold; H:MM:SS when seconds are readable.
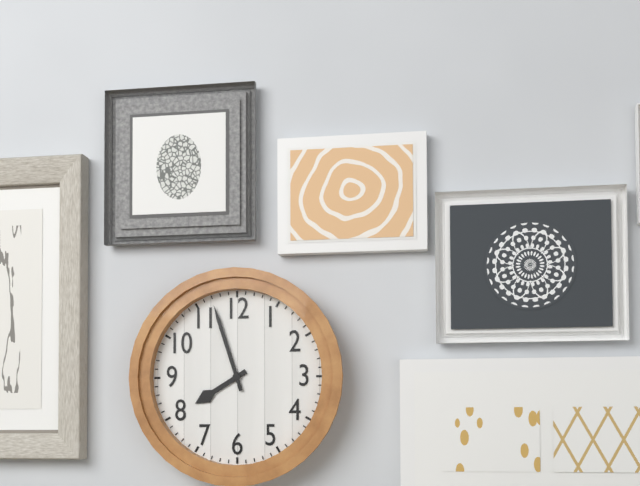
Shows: **7:57**
